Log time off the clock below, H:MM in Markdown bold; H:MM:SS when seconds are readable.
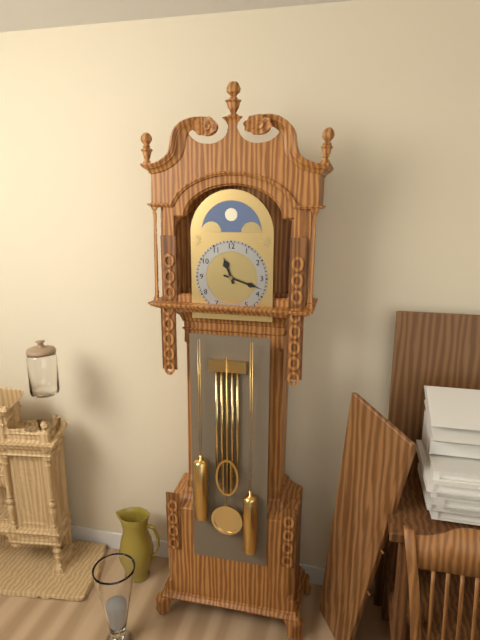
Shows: **11:18**
